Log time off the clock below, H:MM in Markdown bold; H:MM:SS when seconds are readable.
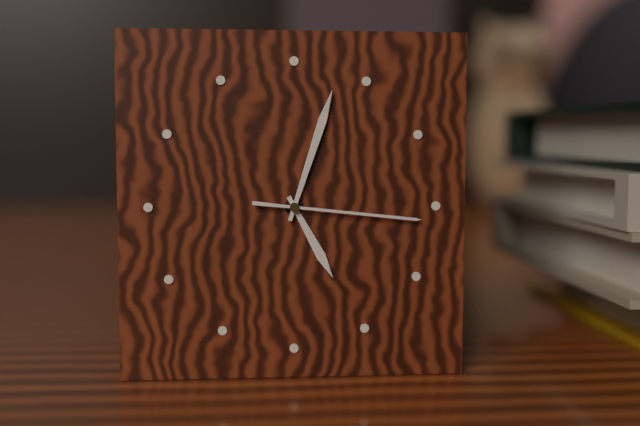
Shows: **5:03:16**
